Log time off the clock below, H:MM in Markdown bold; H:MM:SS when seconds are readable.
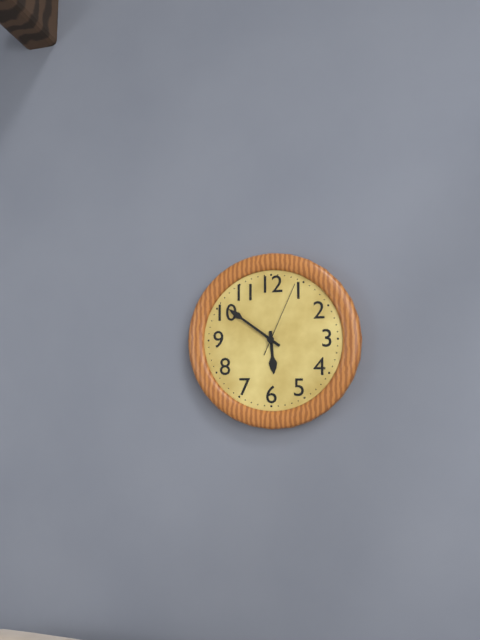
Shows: **5:51:04**
